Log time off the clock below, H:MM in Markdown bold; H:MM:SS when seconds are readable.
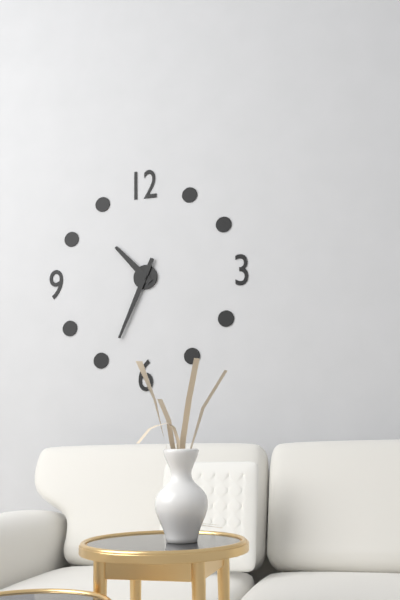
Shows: **10:34**
